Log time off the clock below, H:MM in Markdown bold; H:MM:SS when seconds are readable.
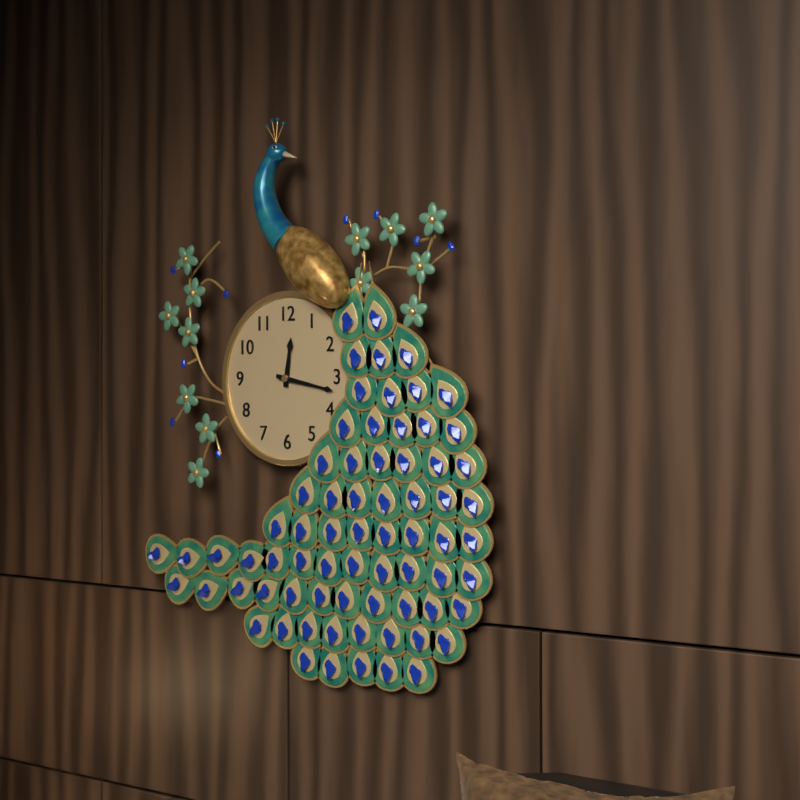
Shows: **12:17**
